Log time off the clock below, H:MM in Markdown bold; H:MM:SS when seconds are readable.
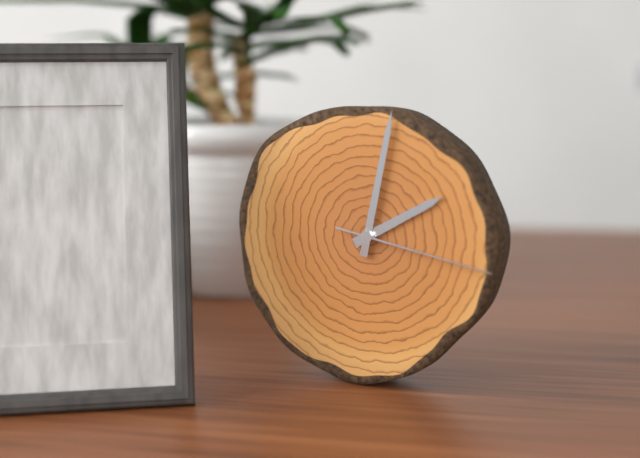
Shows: **2:02:17**
